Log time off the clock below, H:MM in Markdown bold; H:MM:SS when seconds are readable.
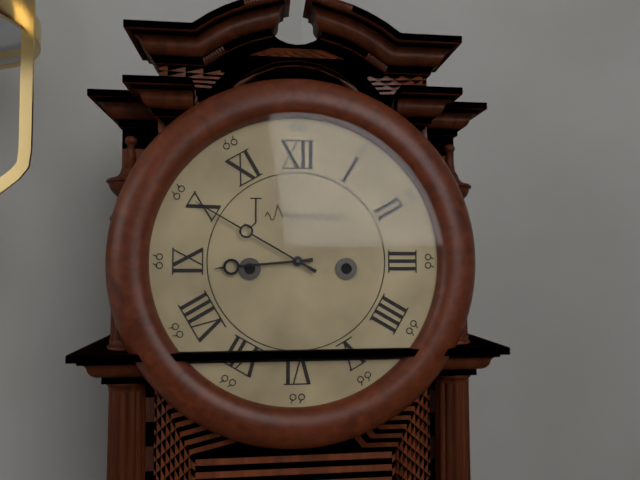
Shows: **8:50**
